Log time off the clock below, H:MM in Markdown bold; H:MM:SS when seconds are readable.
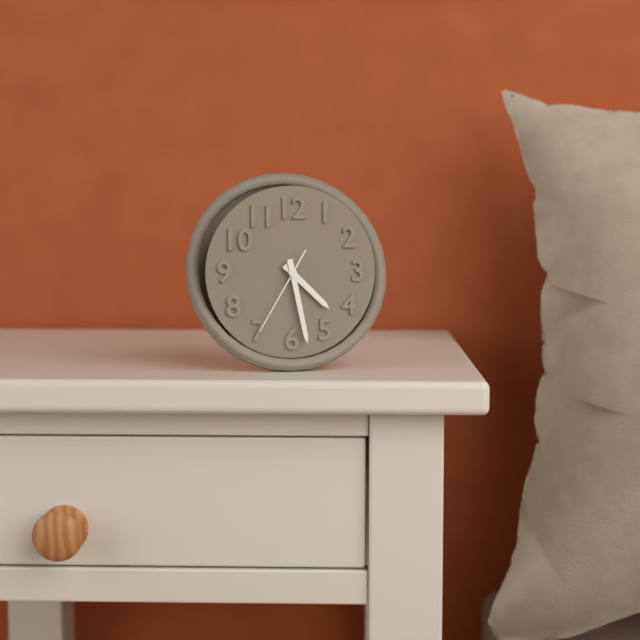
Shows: **4:28:35**
